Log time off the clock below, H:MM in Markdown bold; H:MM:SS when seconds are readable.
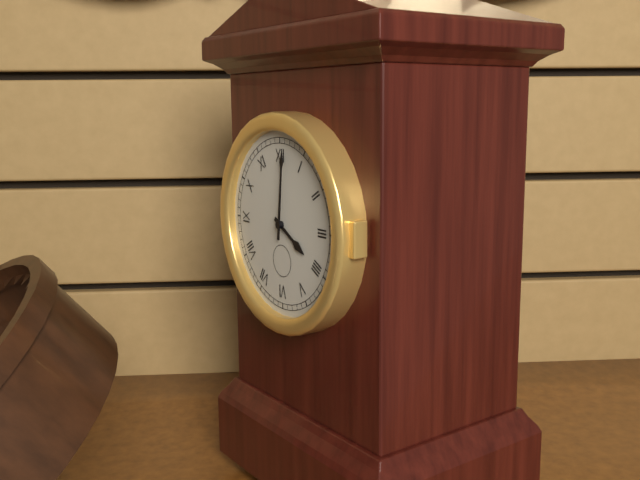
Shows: **4:01**
